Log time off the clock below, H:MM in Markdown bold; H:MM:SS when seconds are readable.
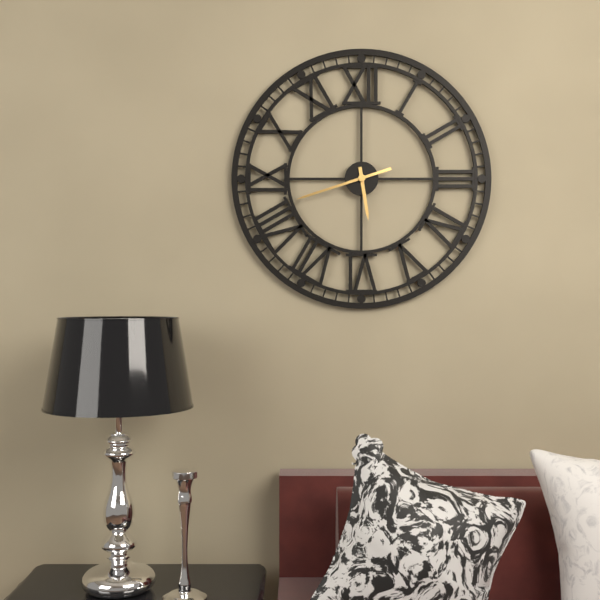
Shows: **5:42**
